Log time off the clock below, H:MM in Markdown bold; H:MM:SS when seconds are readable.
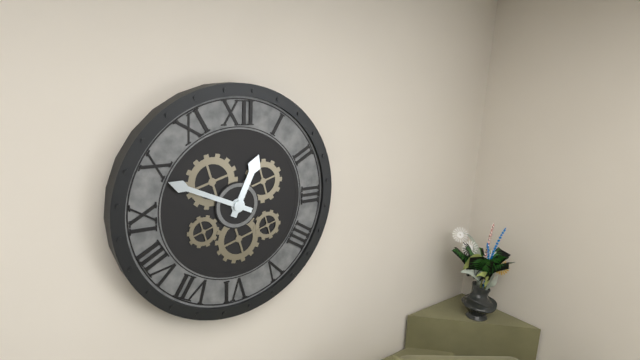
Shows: **12:49**
